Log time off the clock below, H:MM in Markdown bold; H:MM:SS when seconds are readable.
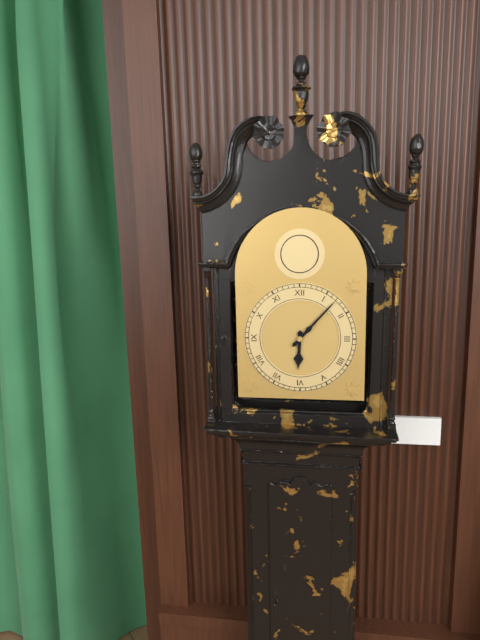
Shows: **6:07**
